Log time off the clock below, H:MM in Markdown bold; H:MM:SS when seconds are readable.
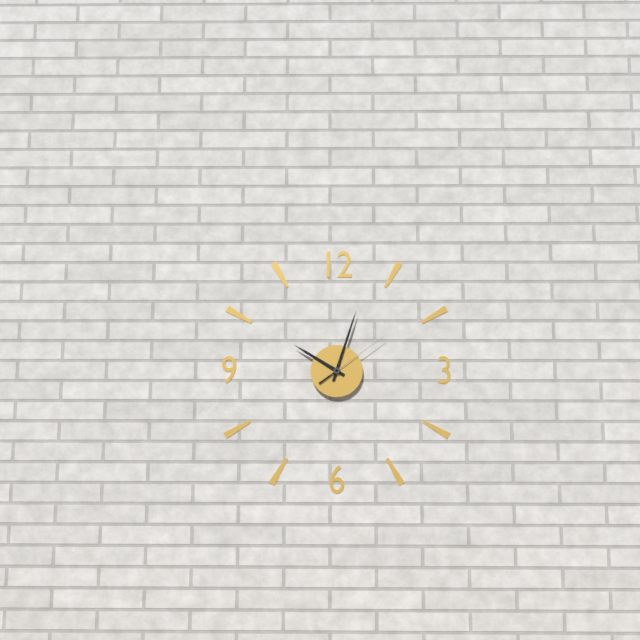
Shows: **10:03:09**
